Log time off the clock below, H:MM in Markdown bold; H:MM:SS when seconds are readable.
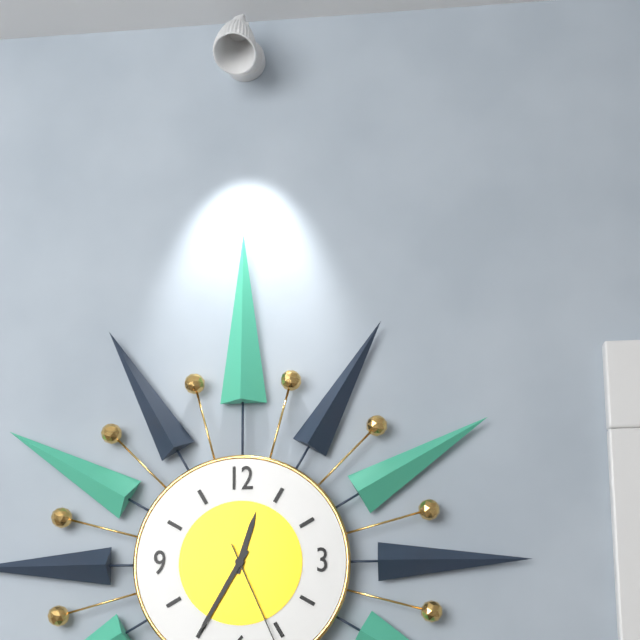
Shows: **12:35**
